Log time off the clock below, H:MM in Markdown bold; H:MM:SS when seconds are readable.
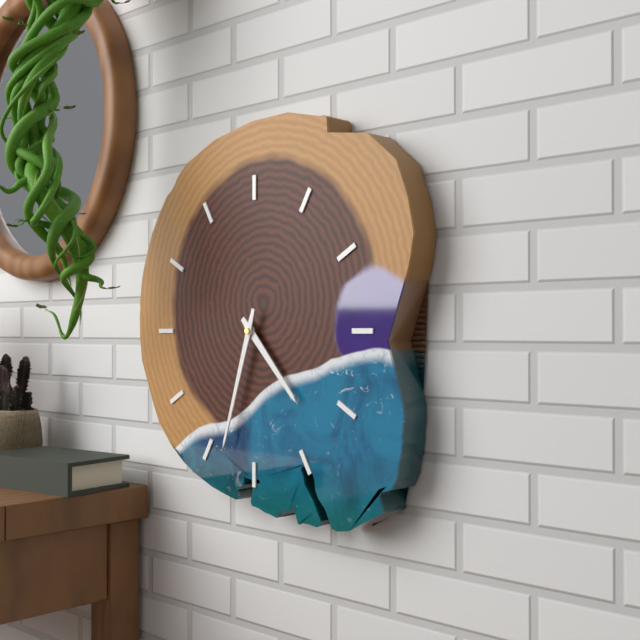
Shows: **4:33**
